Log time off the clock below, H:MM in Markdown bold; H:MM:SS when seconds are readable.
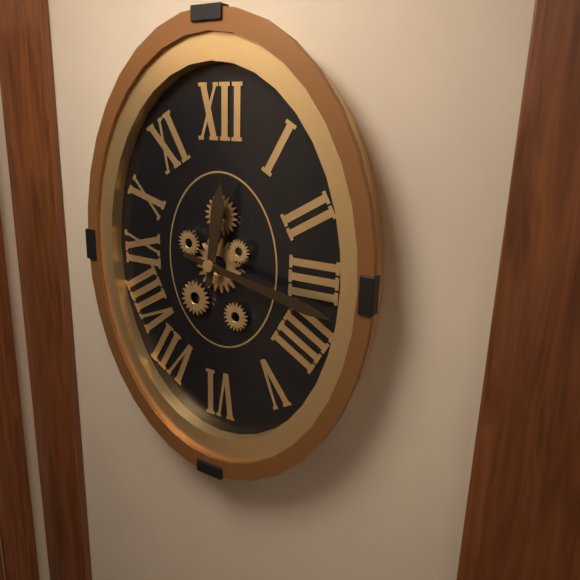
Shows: **12:17**
